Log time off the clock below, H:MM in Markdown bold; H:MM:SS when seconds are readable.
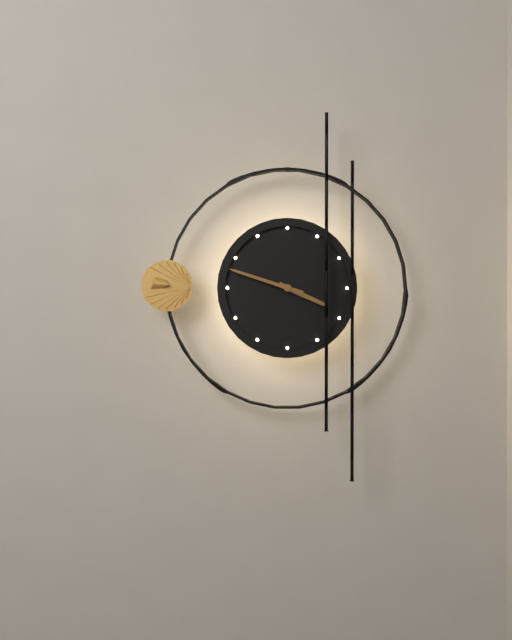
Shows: **3:48**
